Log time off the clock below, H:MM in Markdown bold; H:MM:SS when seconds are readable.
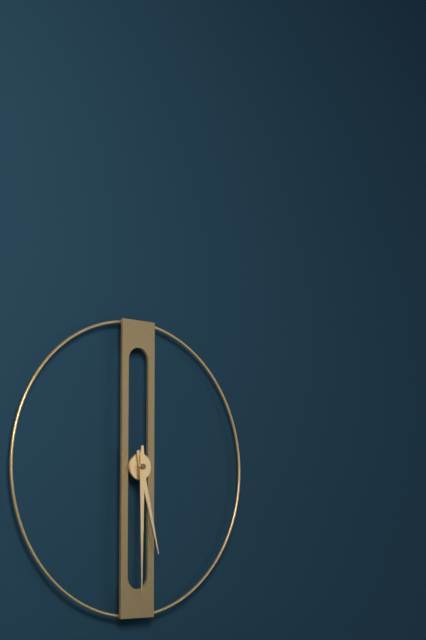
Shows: **5:30**
